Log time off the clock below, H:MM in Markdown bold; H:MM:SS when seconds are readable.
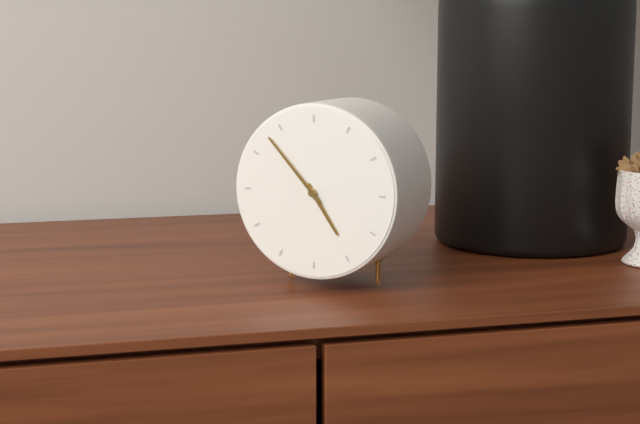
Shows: **4:53**
